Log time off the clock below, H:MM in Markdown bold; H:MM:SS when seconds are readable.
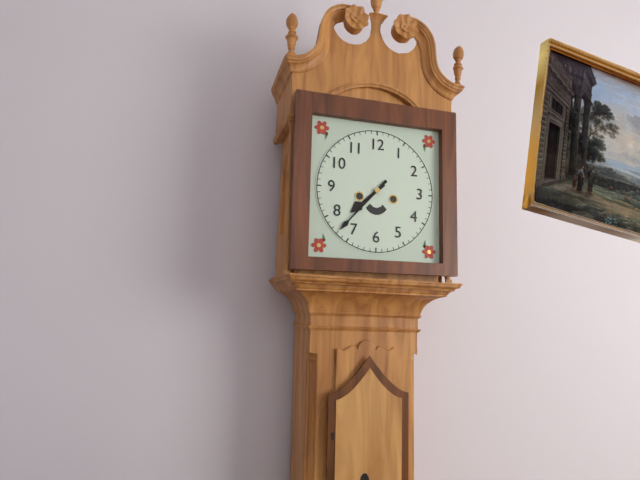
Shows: **7:37**
